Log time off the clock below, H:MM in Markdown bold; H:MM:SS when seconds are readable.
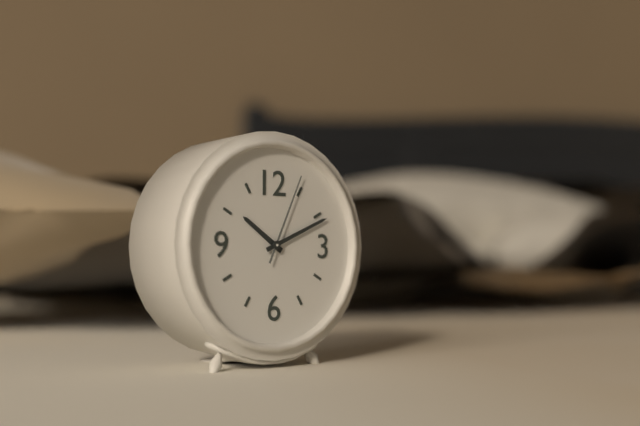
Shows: **10:11:04**
